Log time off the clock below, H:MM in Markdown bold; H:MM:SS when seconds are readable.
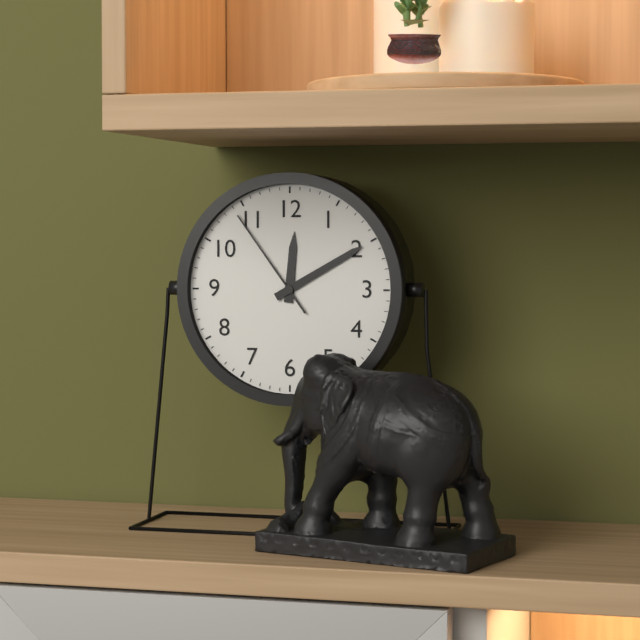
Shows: **12:10:54**
